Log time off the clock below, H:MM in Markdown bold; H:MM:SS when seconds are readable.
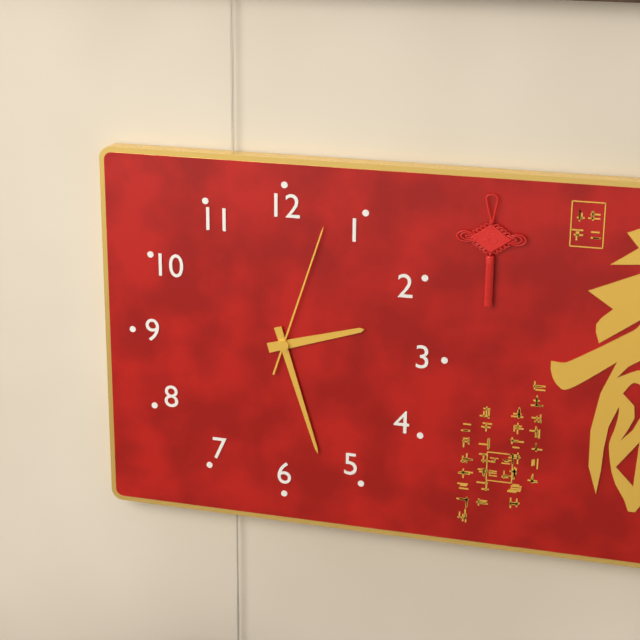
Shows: **2:27:03**
